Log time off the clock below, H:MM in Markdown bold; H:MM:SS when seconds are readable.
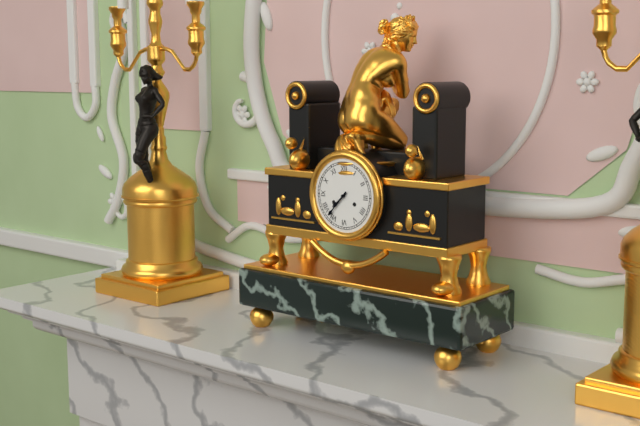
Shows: **7:37**
